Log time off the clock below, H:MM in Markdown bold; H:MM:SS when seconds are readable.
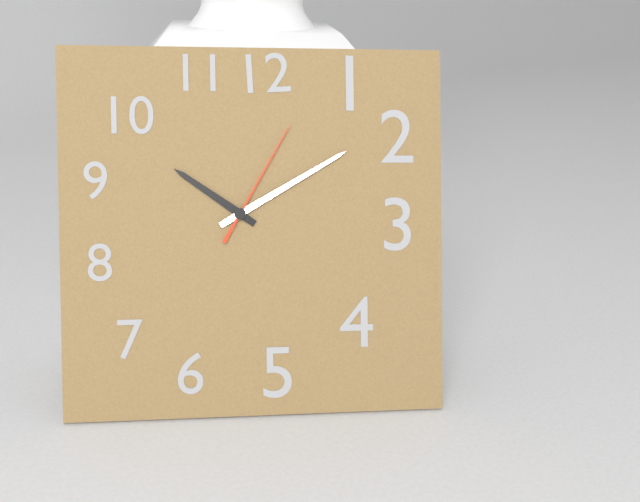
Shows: **10:10:05**
